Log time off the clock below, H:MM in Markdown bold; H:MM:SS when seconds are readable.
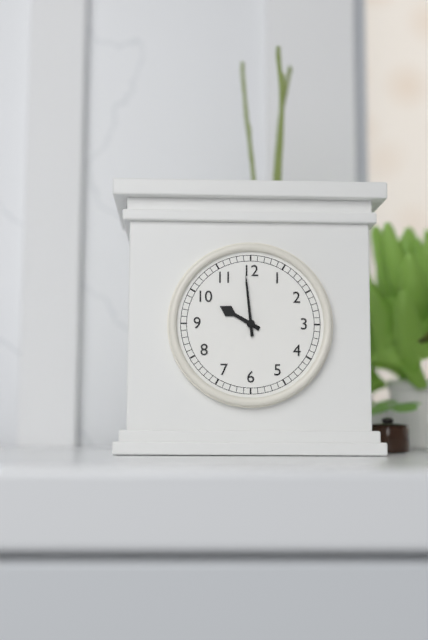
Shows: **9:59**
